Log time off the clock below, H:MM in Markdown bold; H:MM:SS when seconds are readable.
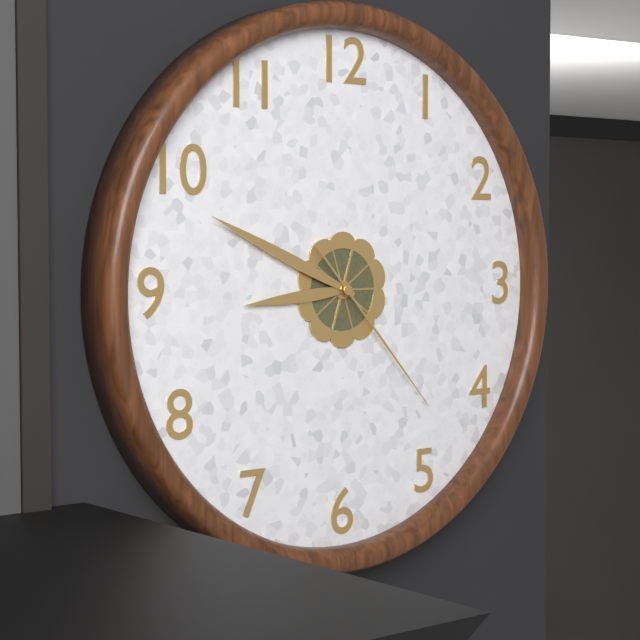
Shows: **8:49:23**
